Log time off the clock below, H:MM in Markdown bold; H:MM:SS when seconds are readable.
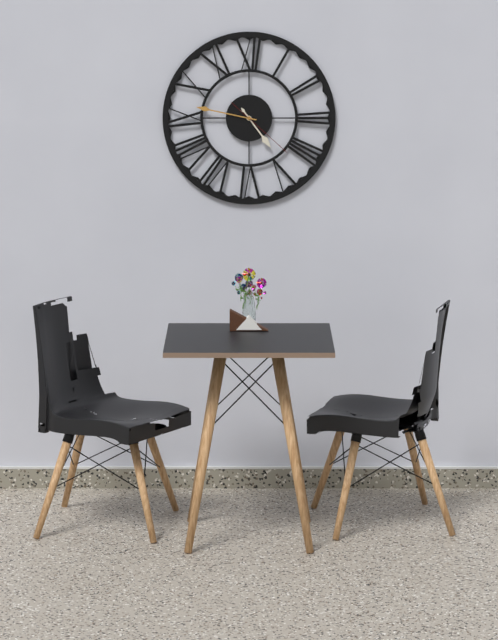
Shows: **4:47:22**
